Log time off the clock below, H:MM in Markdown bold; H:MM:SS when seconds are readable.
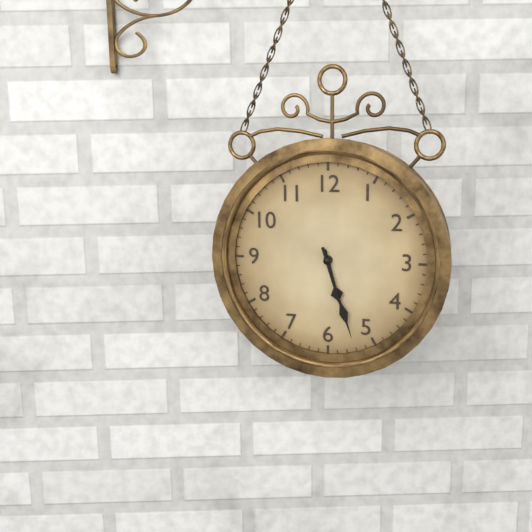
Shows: **5:27**
